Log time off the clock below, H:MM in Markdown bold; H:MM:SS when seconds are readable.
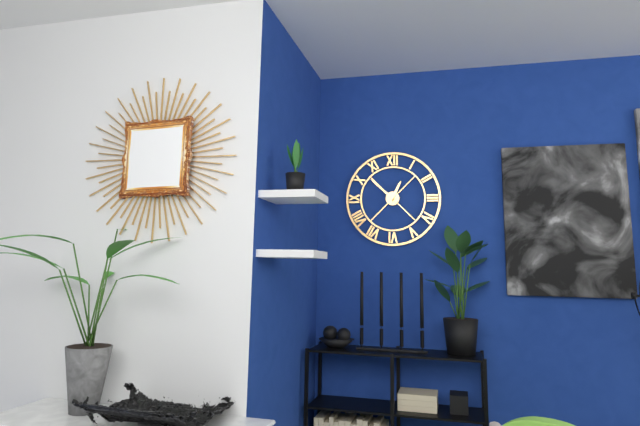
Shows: **12:52**
